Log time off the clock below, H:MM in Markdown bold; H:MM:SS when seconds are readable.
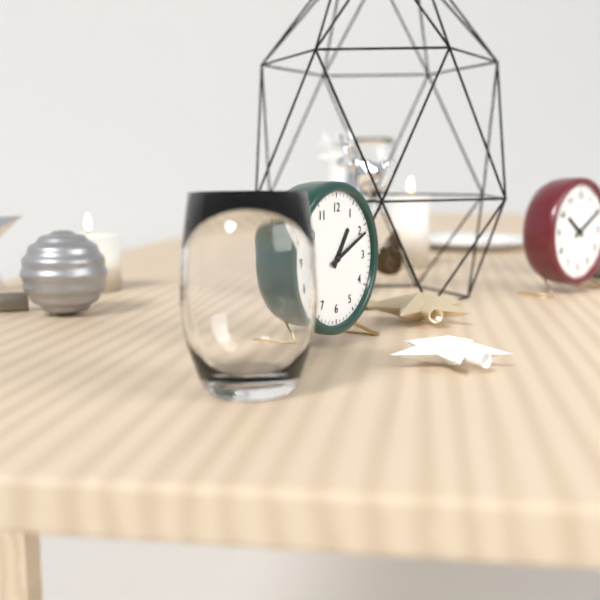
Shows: **1:11**
